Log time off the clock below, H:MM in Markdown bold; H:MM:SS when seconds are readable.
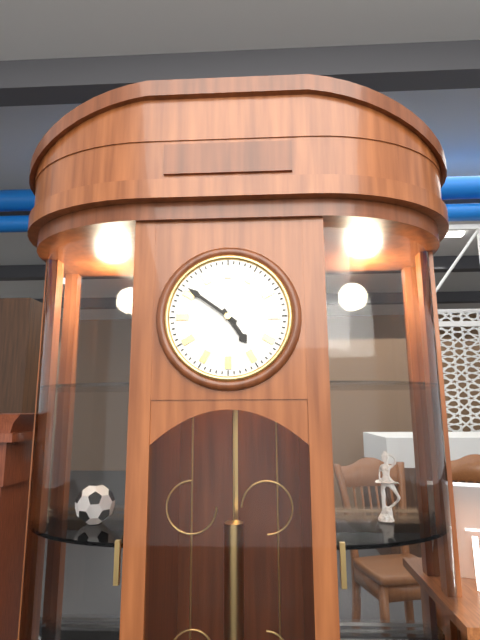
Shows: **4:51**
